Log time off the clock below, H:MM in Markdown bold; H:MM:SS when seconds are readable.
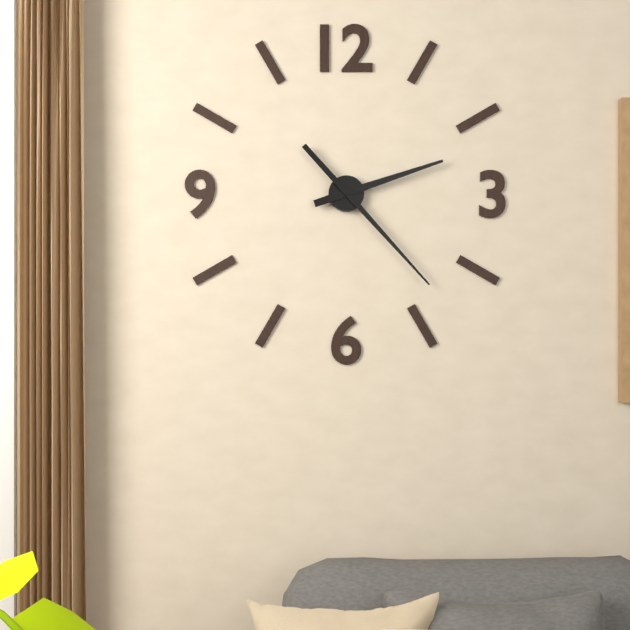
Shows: **2:23**
